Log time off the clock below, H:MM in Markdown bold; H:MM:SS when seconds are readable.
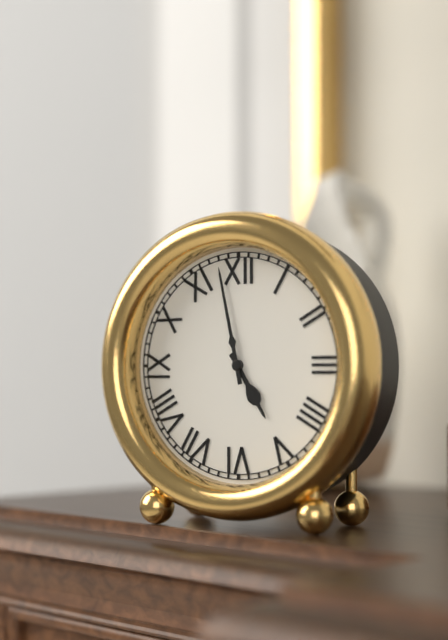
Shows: **4:58**
